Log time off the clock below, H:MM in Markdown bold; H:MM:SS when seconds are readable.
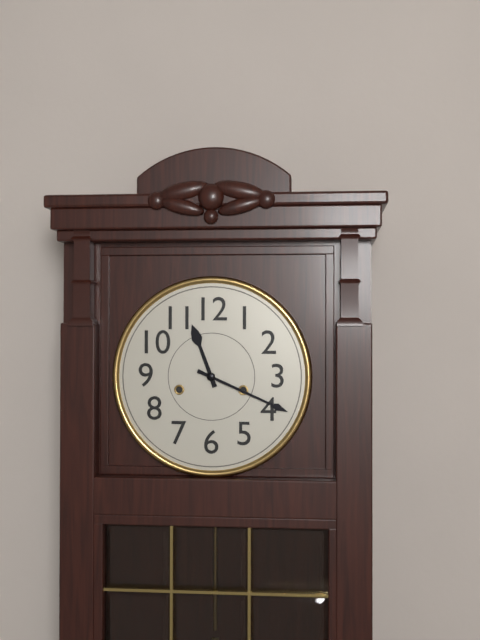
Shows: **11:19**
